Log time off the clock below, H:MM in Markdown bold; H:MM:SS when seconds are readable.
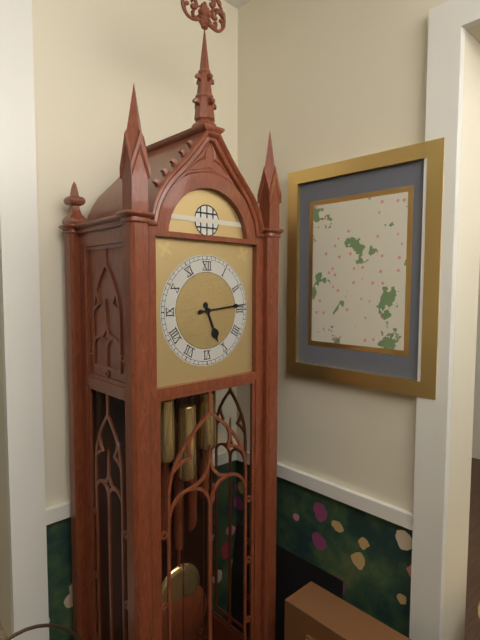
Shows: **5:14**
